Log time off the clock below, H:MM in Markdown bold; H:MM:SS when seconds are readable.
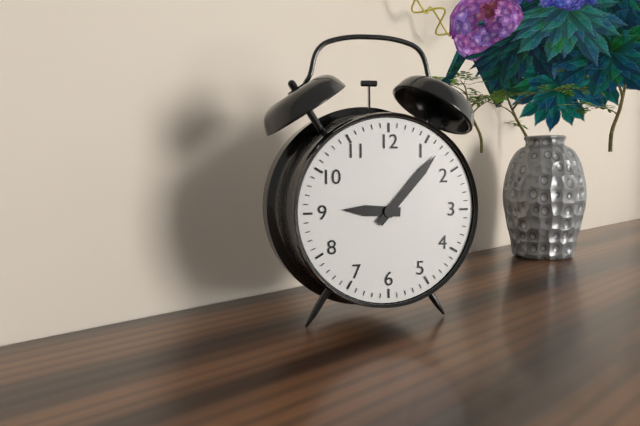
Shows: **9:07**
